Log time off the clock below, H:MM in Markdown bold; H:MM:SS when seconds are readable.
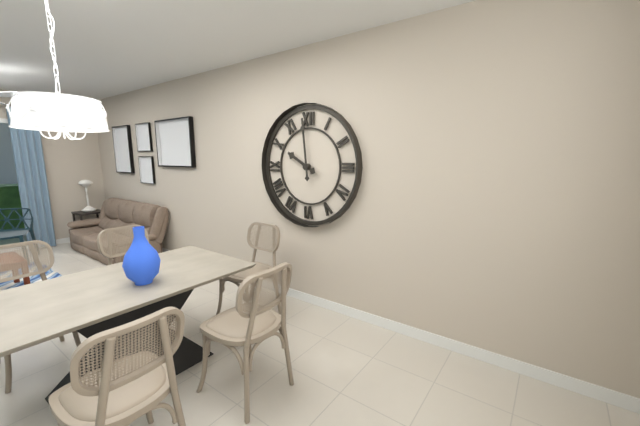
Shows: **9:59**
